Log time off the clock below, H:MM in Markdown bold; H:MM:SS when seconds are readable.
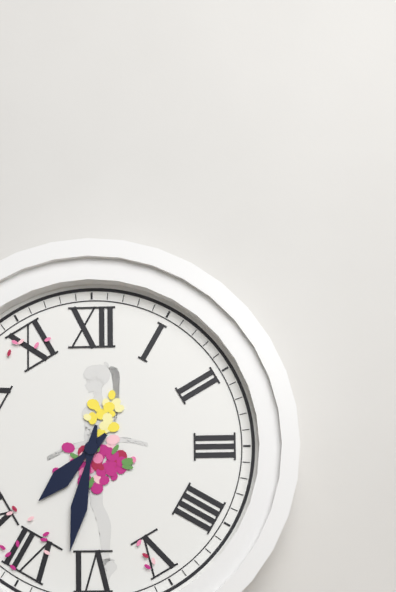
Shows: **7:32**
